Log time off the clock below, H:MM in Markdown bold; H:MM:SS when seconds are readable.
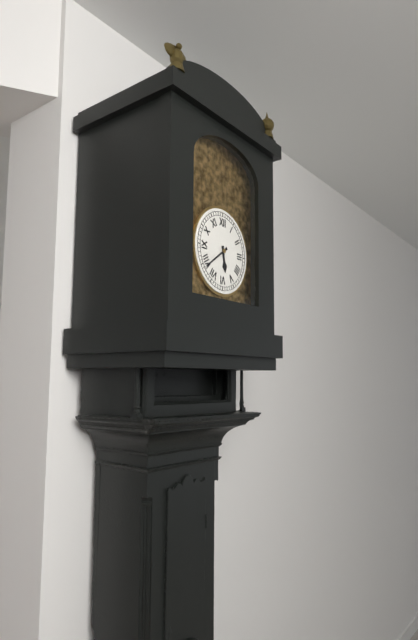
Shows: **5:39**
